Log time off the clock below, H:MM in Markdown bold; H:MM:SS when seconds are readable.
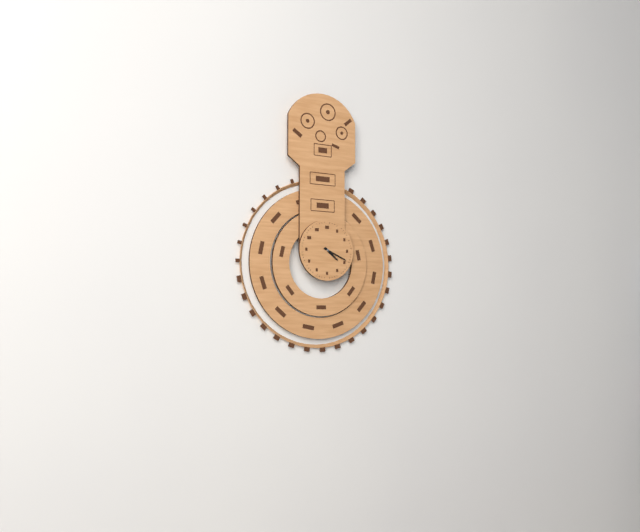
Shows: **4:19**
